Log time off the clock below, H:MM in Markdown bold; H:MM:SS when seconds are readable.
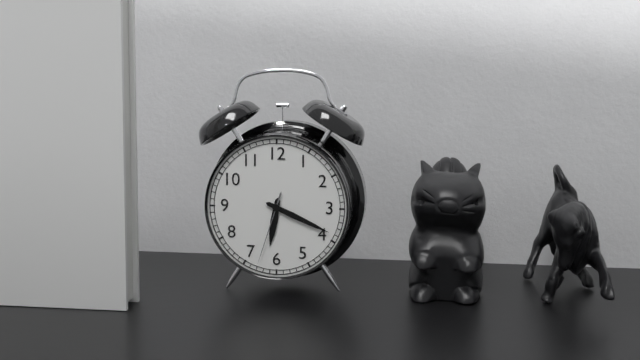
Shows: **6:19:33**
